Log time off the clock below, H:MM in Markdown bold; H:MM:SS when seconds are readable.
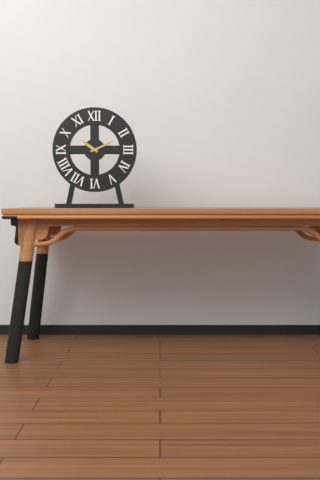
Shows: **10:11**
